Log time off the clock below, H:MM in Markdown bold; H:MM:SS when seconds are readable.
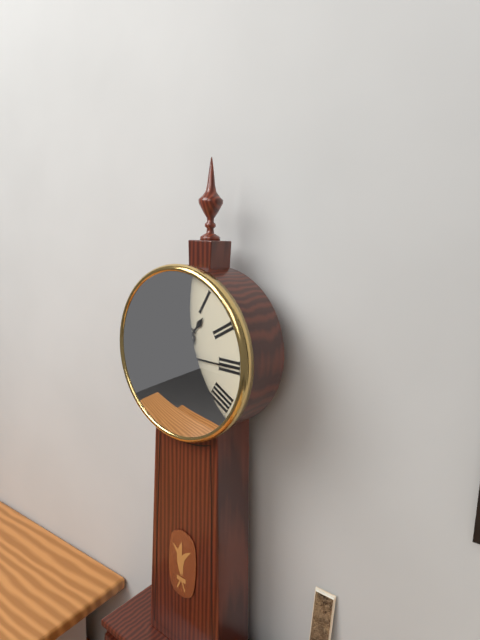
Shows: **1:15**
